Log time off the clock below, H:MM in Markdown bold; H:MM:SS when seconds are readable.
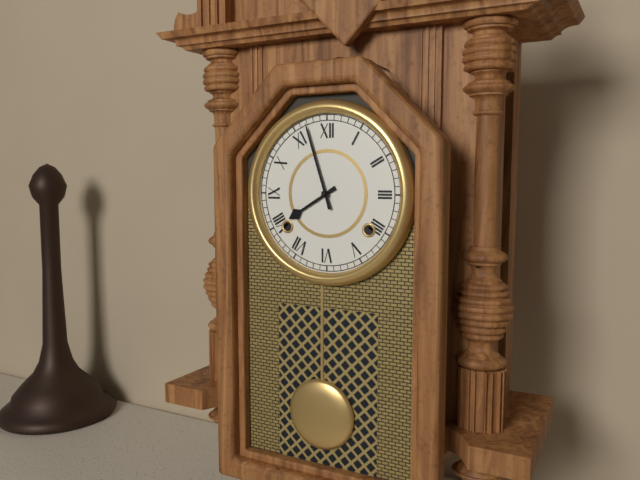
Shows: **7:57**
